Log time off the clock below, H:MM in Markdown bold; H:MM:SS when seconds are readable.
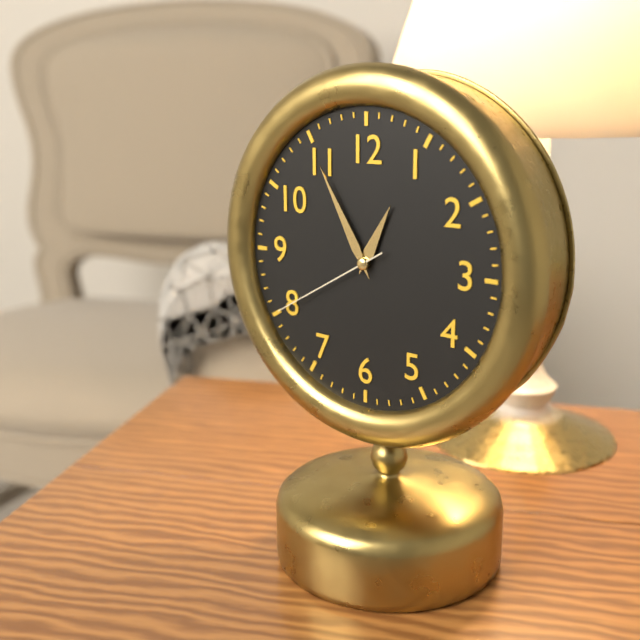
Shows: **12:55:40**
